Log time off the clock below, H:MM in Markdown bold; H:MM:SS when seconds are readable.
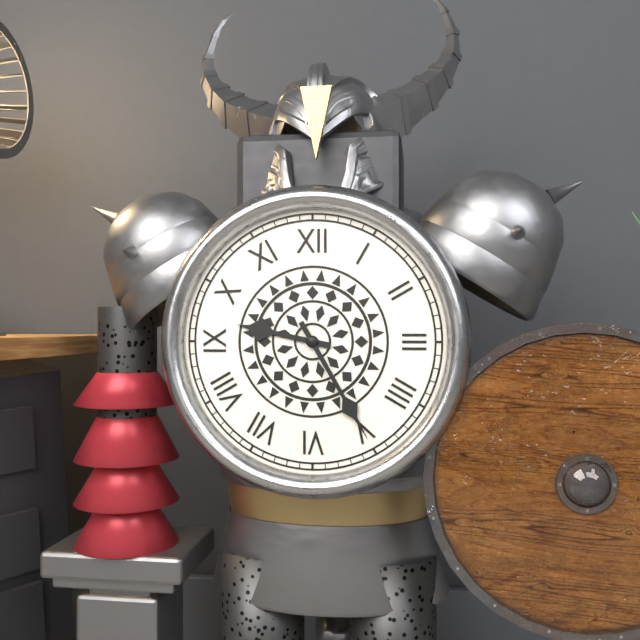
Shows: **9:25**
